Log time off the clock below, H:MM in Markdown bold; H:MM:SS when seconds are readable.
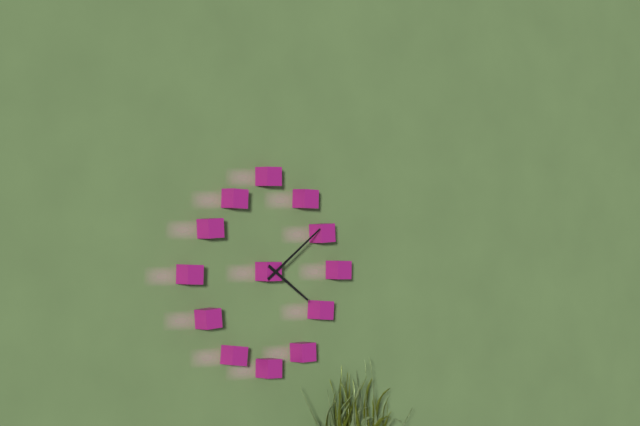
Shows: **4:09**
